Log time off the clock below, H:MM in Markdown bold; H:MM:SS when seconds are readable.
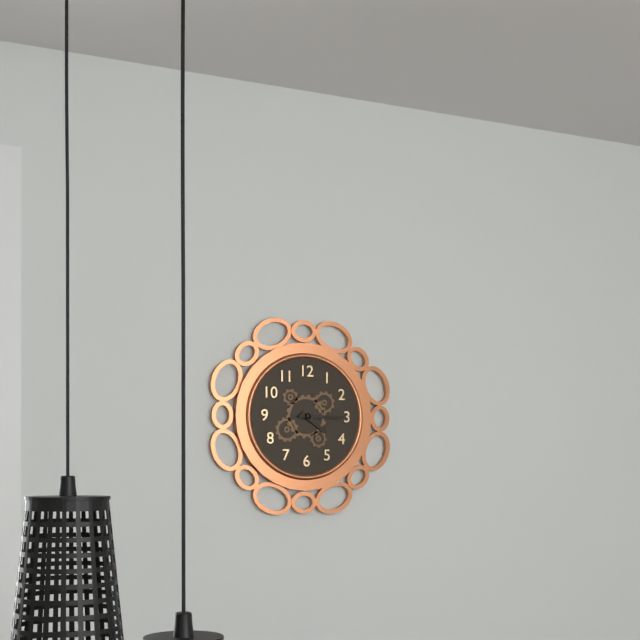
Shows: **4:15**
